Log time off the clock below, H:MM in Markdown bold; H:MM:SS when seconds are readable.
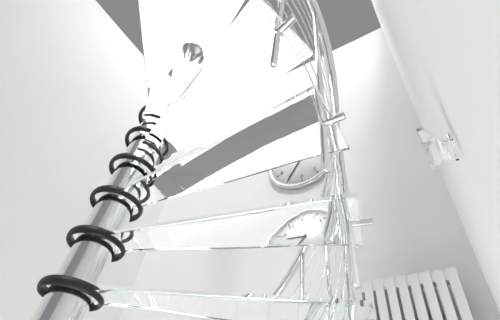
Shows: **9:35**
